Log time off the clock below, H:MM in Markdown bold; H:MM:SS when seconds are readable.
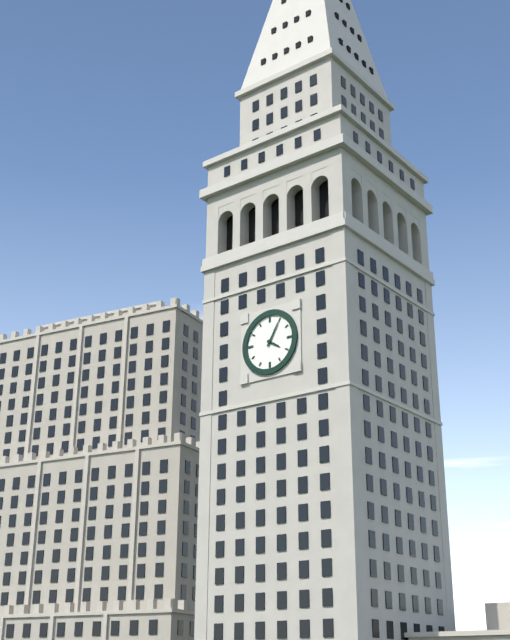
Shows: **4:05**
